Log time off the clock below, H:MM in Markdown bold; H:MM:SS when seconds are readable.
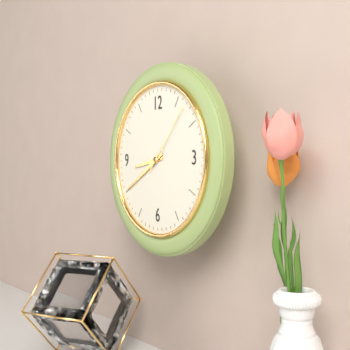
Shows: **8:40:07**
